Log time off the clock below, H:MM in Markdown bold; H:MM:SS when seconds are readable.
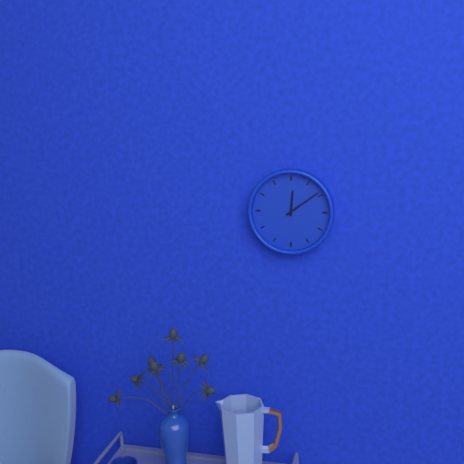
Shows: **12:09**
